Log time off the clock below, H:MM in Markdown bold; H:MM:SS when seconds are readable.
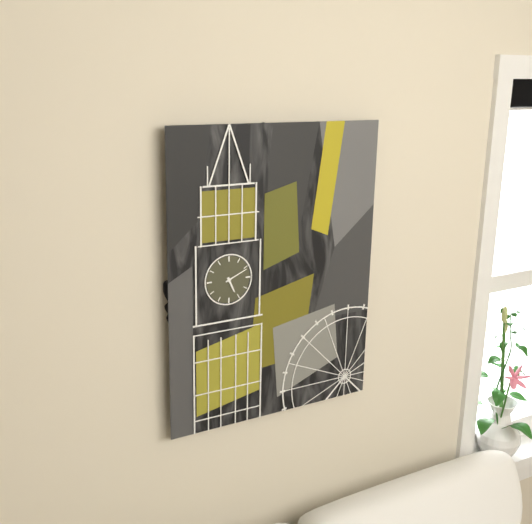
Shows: **5:11**
